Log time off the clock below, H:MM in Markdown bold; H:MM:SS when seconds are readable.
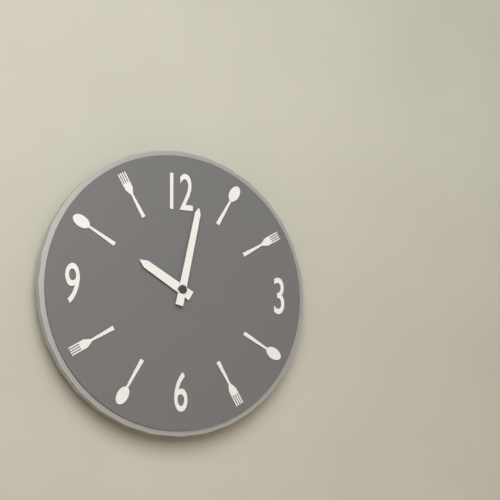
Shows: **10:02**
